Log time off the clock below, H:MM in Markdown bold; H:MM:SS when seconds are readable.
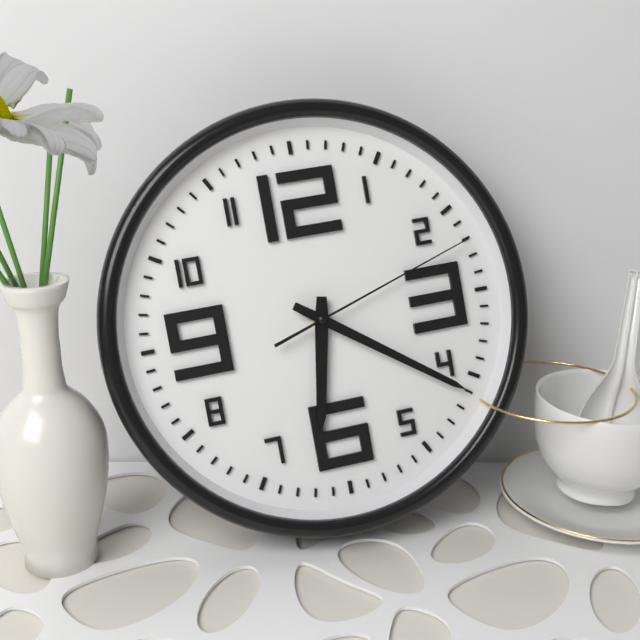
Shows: **6:21:12**
